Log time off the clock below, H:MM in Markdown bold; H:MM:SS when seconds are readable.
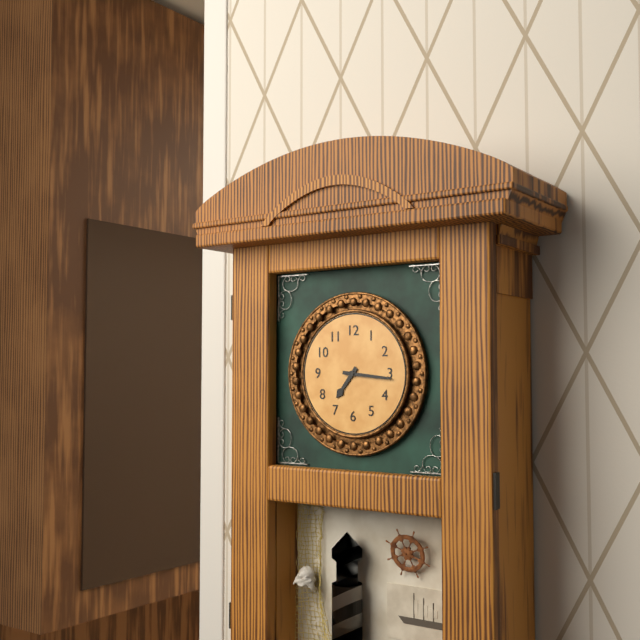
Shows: **7:16**
